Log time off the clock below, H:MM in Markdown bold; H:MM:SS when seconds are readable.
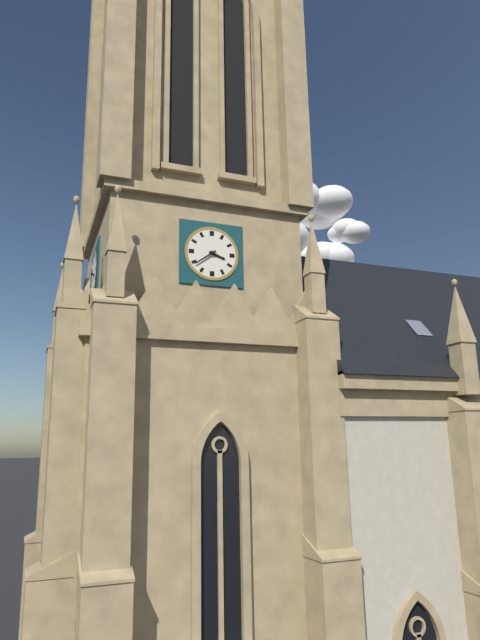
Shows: **3:39**
